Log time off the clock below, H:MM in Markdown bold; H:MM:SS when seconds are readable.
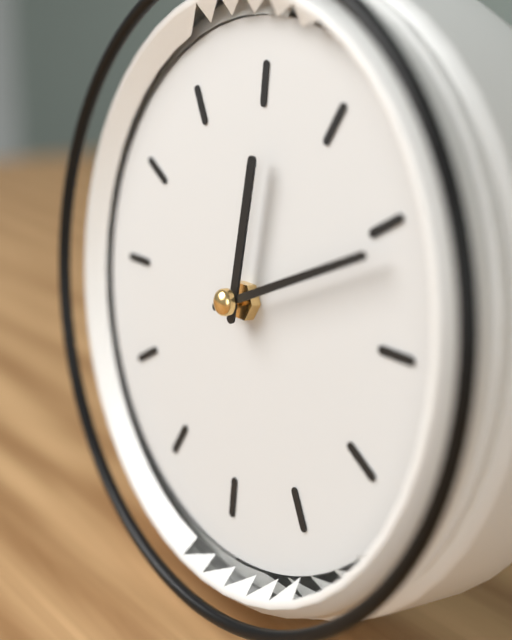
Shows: **12:11**
